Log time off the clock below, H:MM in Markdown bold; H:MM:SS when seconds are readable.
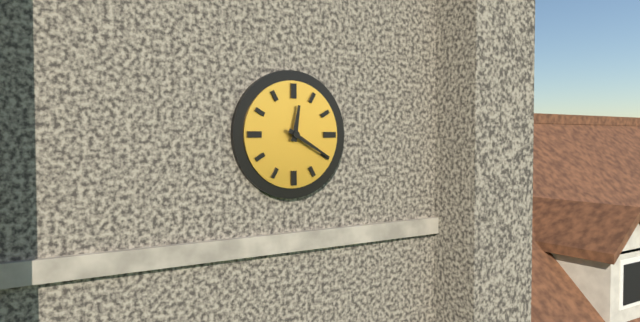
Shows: **12:20**
